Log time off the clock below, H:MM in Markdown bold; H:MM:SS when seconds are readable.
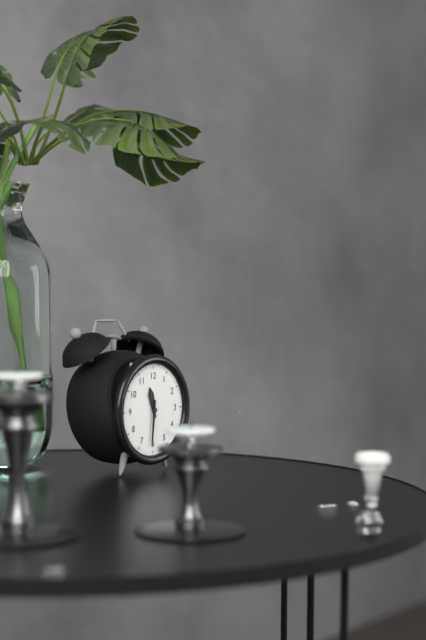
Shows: **11:31**
